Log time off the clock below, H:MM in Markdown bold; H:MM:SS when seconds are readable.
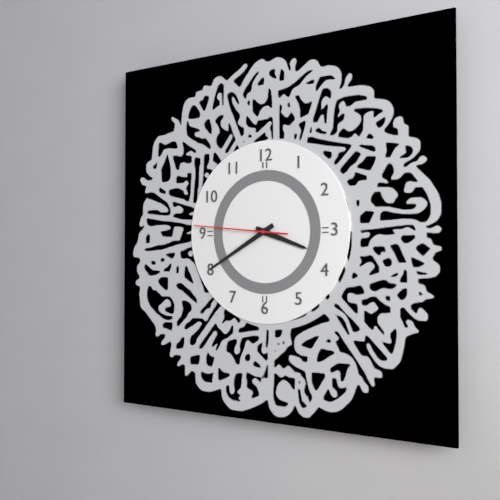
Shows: **3:40:46**
